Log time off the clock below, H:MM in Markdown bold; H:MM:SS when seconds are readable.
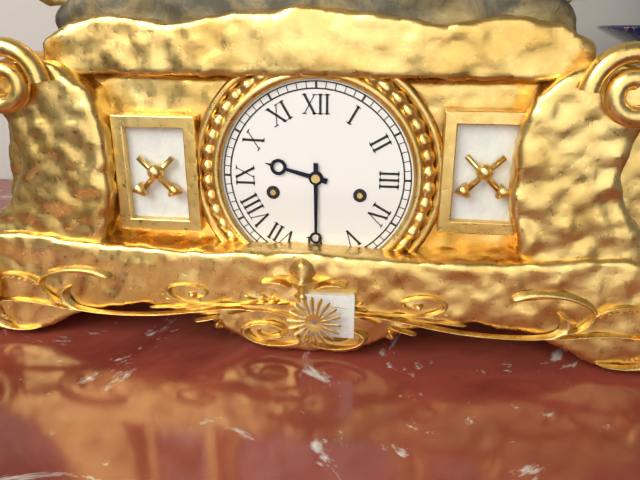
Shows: **9:30**
